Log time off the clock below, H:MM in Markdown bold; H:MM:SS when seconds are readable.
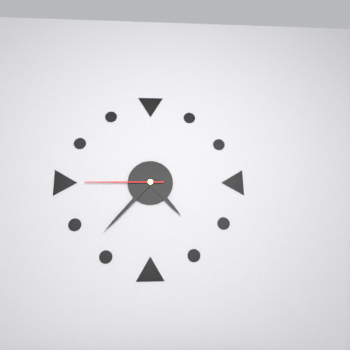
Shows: **4:37:45**
